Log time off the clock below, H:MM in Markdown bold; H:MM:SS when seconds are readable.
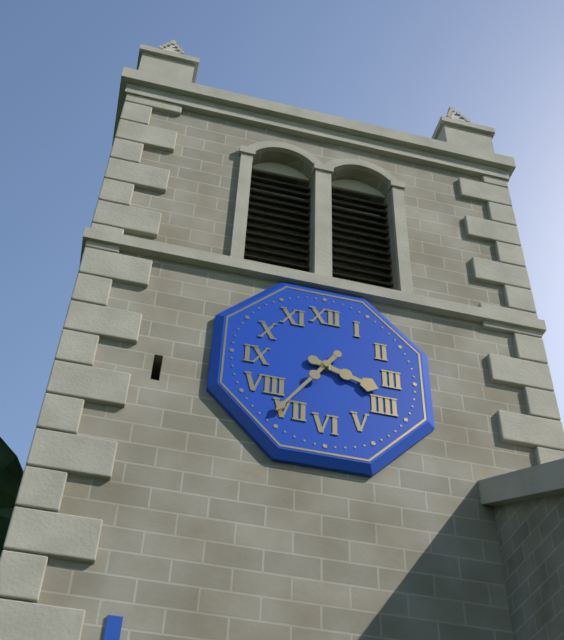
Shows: **3:36**
